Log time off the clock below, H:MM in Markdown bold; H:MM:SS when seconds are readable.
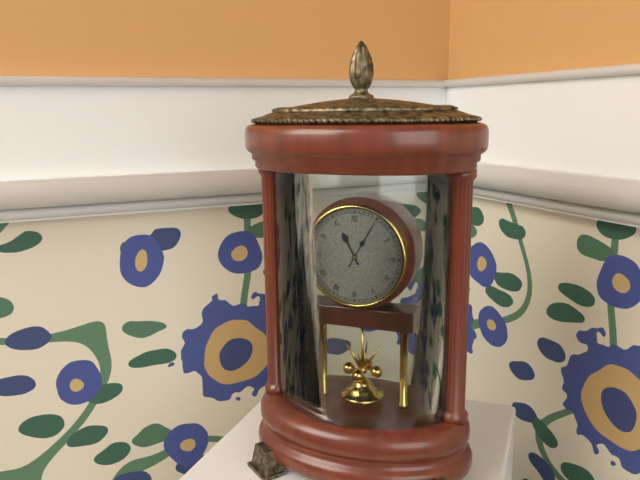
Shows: **11:05**
